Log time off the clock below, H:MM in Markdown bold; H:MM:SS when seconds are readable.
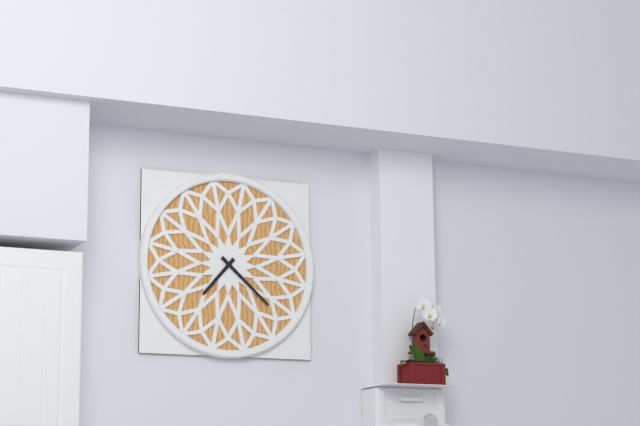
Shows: **7:22**
